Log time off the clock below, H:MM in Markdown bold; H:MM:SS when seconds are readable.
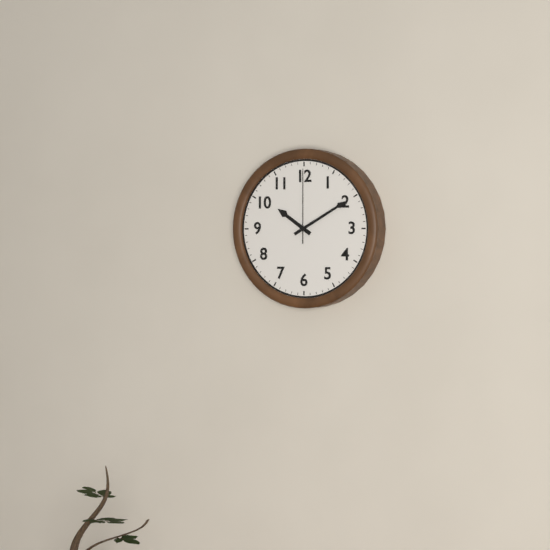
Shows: **10:10:00**
